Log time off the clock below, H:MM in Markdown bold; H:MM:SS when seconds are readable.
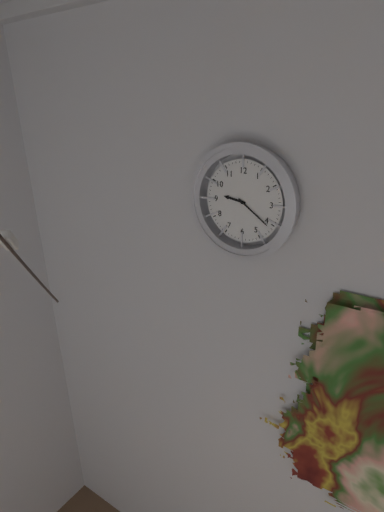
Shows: **9:21**
